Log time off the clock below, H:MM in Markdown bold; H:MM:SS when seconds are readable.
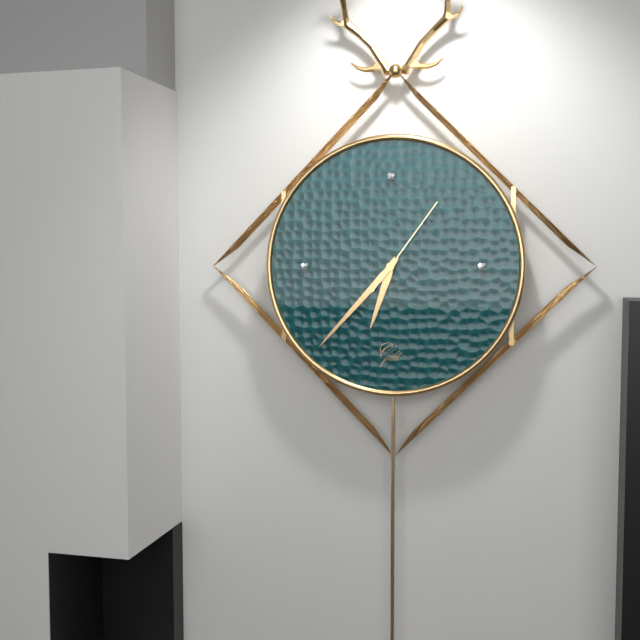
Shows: **6:37:06**
